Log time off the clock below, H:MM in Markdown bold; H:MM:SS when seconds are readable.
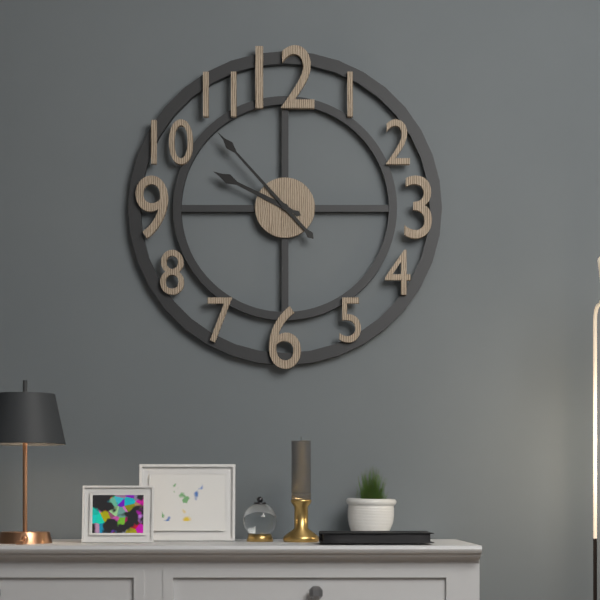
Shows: **9:53**
